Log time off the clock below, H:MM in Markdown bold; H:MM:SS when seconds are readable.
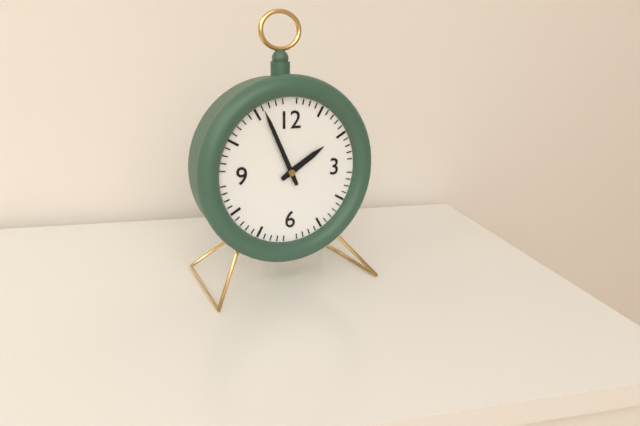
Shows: **1:56**
